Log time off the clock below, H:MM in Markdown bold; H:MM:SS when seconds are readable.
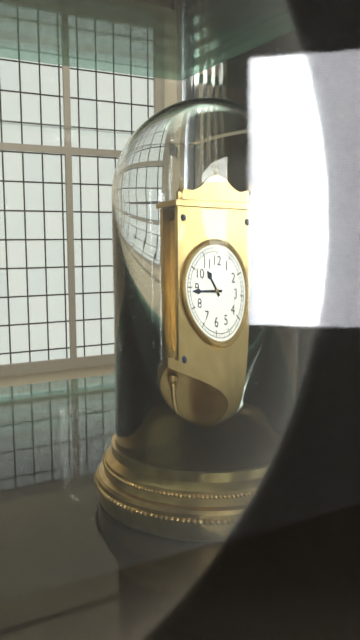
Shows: **10:44**
